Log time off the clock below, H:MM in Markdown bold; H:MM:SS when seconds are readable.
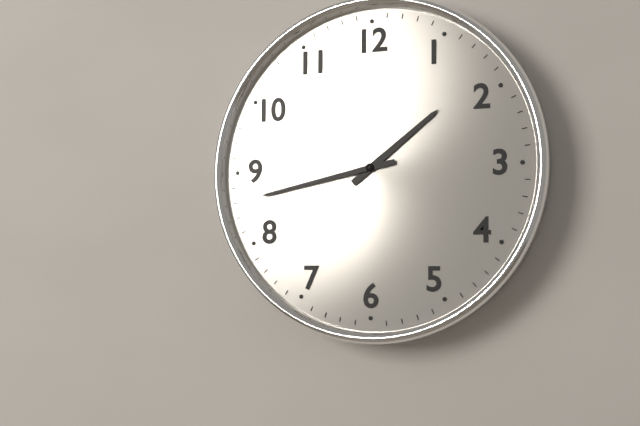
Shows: **1:43**
